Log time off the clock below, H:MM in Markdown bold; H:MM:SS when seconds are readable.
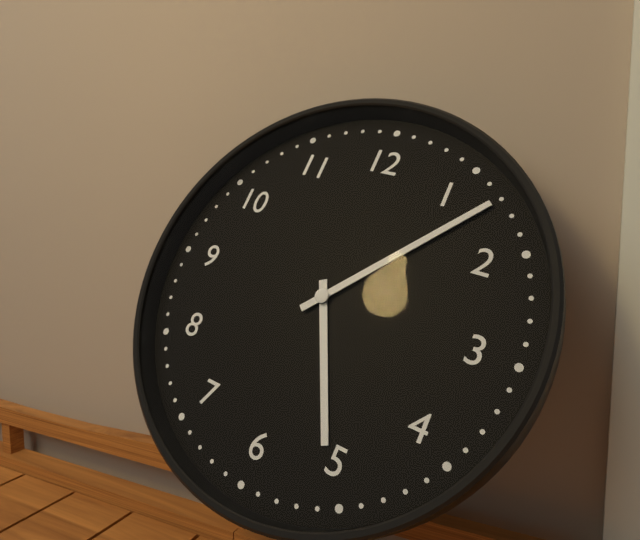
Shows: **5:07**
